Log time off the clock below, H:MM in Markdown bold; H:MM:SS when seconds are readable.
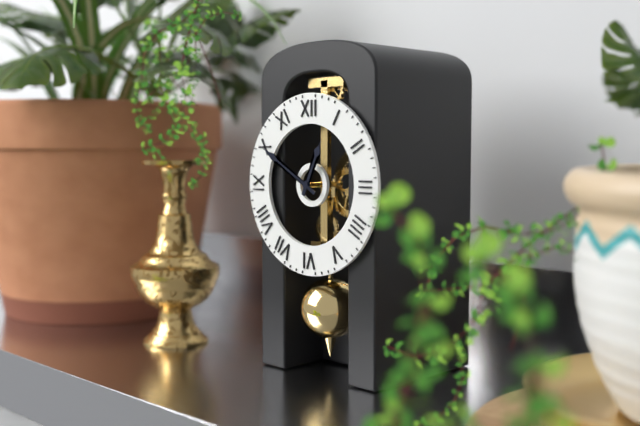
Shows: **12:50**
